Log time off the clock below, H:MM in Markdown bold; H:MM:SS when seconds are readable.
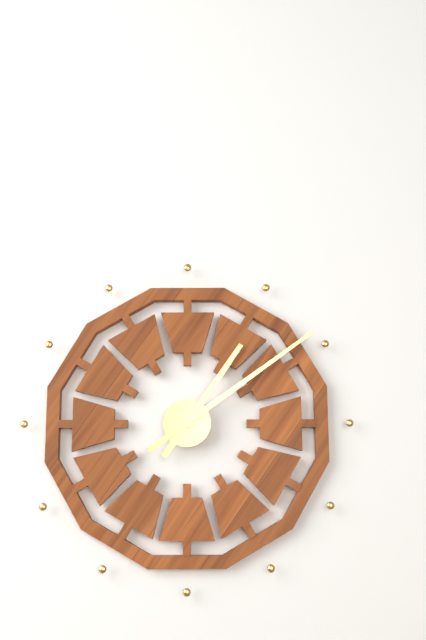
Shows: **1:09**
